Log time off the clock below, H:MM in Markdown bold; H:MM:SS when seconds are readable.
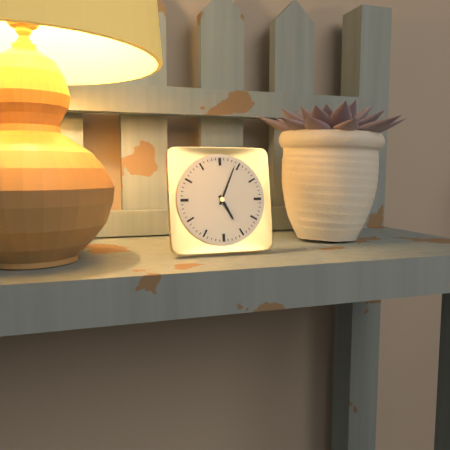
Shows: **5:04**
